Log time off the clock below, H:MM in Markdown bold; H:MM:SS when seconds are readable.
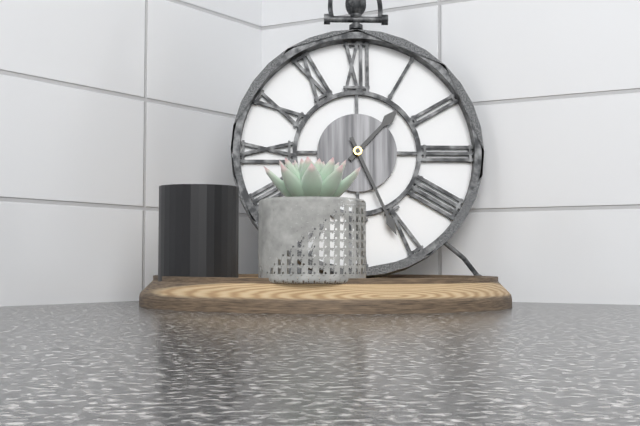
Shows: **1:26**
